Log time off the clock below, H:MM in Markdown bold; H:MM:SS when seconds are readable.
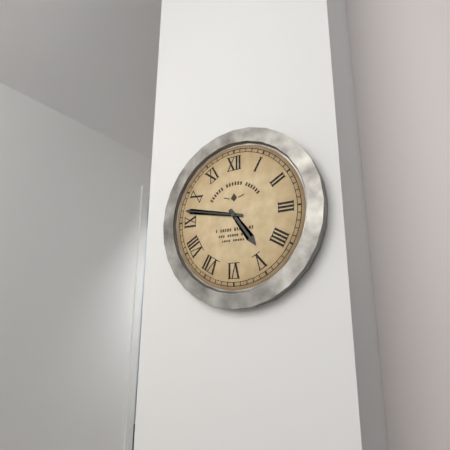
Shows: **4:47**
